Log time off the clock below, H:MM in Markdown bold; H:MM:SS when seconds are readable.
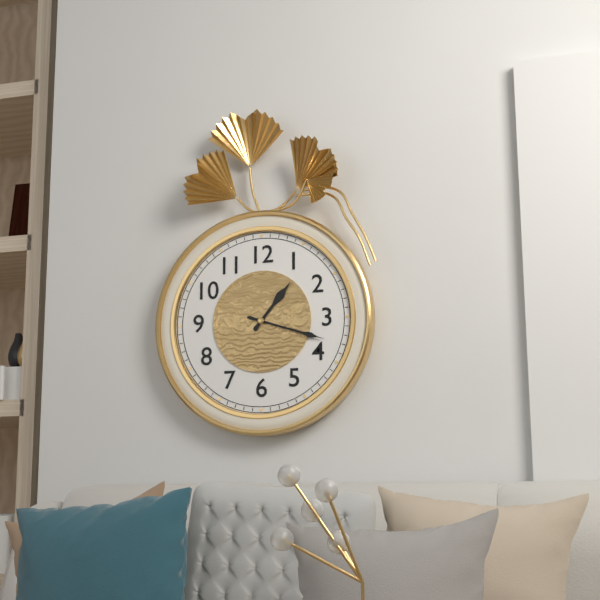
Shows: **1:18**
